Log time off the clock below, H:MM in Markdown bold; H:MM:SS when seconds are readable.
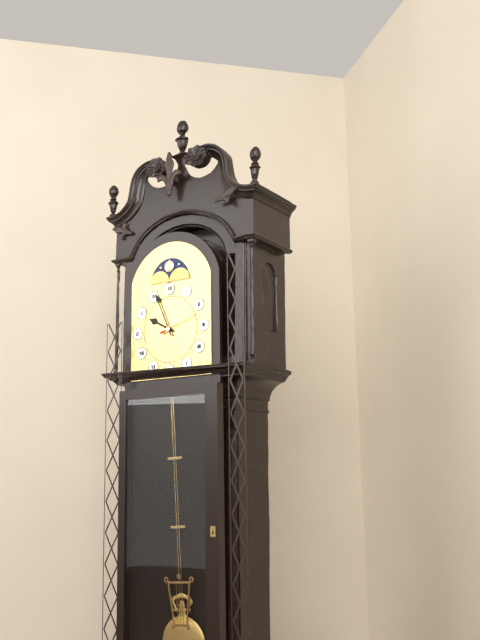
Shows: **9:56**
